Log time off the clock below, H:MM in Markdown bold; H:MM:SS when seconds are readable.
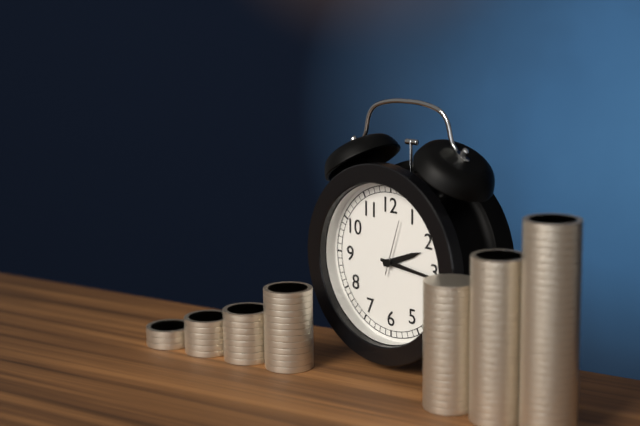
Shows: **2:16:03**
